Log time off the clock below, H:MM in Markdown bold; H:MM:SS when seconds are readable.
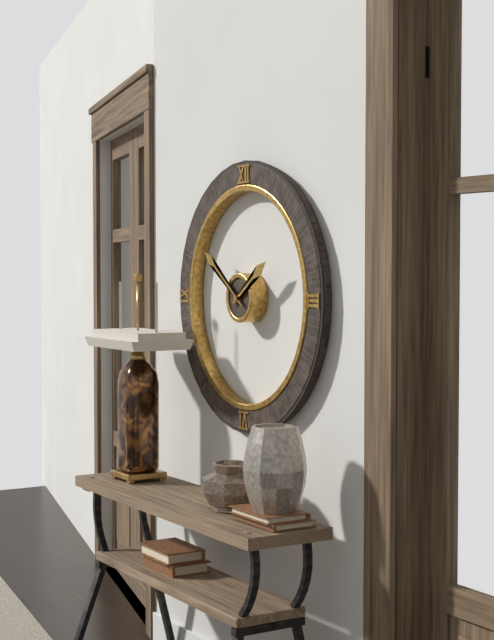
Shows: **1:51**
